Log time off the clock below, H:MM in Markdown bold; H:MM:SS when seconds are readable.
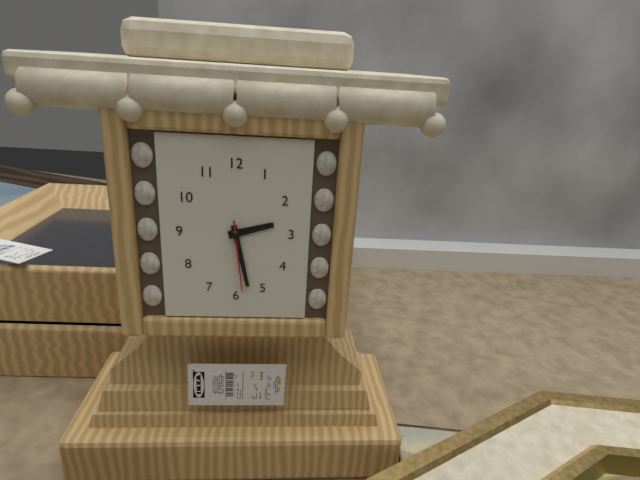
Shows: **2:28:29**
